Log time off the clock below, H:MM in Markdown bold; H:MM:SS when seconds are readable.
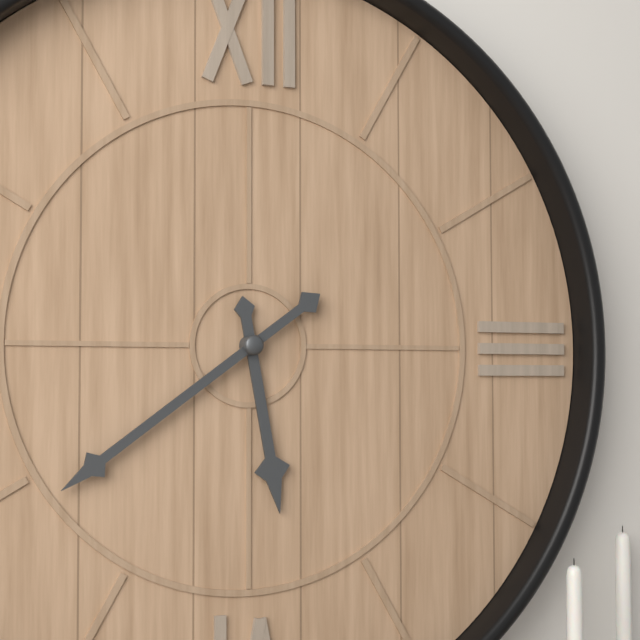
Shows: **5:39**
